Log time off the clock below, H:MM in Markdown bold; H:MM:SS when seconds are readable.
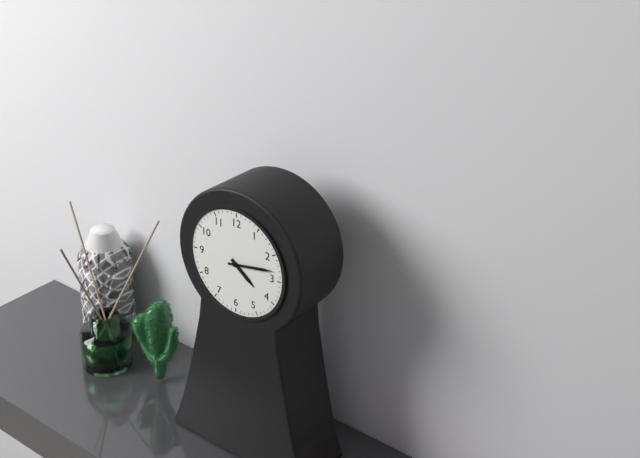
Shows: **4:13**
